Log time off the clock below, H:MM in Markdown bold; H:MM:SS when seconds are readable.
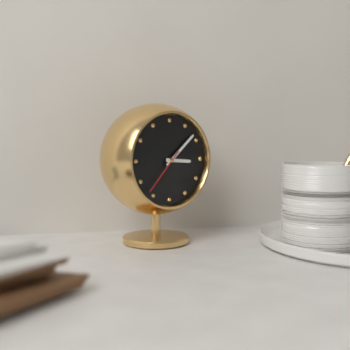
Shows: **3:08**
